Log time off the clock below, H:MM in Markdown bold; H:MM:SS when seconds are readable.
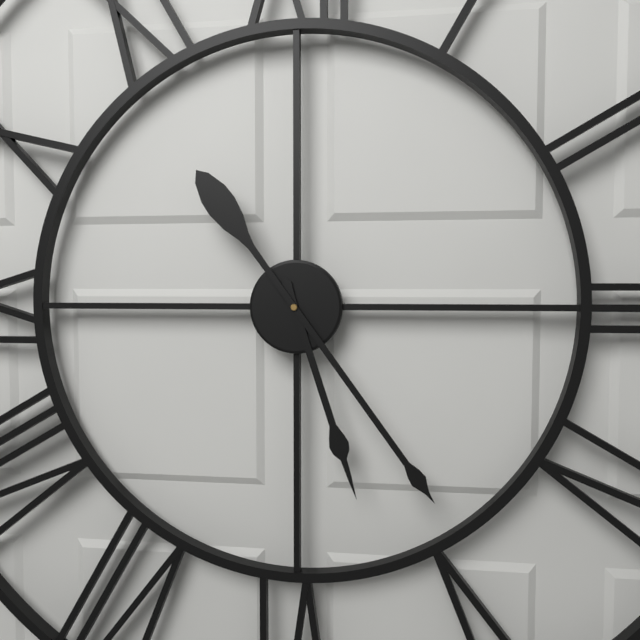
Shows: **5:24**
